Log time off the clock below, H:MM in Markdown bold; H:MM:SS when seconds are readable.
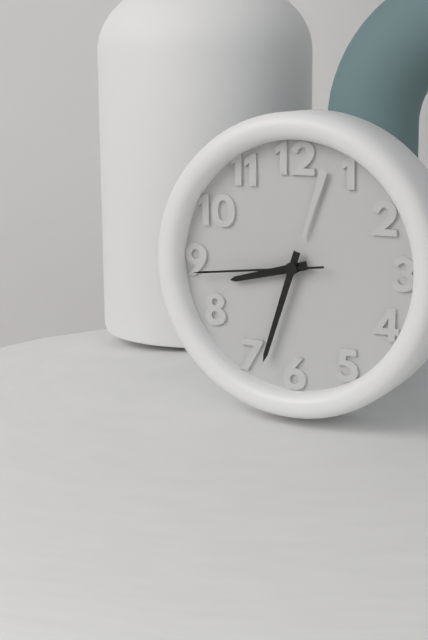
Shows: **8:33:44**
